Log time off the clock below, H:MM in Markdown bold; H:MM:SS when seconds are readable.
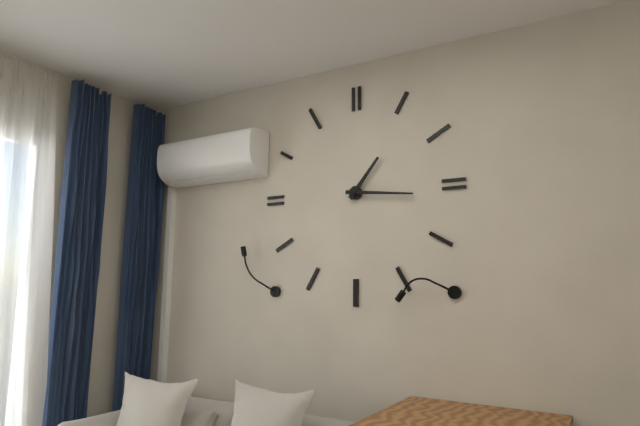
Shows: **1:16**
